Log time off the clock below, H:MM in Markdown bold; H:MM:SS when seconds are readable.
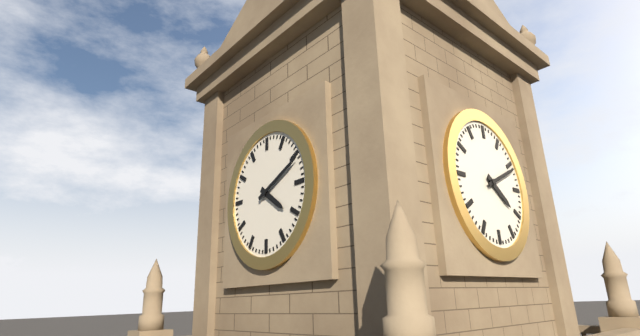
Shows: **4:11**
